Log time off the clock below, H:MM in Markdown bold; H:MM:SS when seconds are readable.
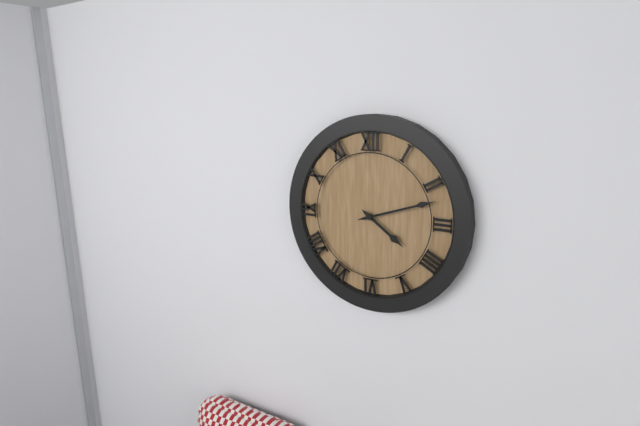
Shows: **4:12**
